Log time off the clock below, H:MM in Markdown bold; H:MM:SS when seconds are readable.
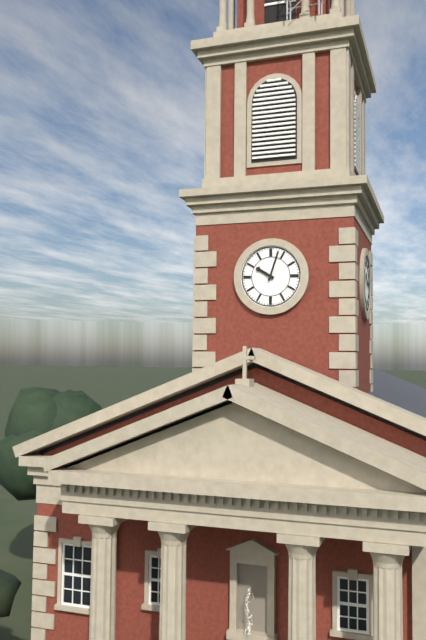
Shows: **10:03**
